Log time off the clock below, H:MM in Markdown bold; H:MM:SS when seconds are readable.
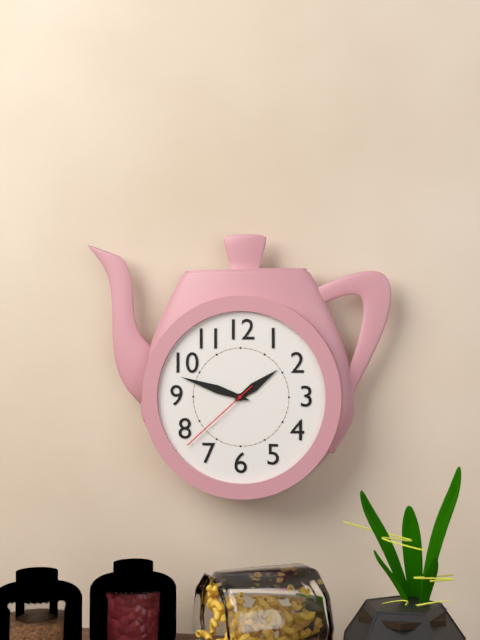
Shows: **1:48:38**
